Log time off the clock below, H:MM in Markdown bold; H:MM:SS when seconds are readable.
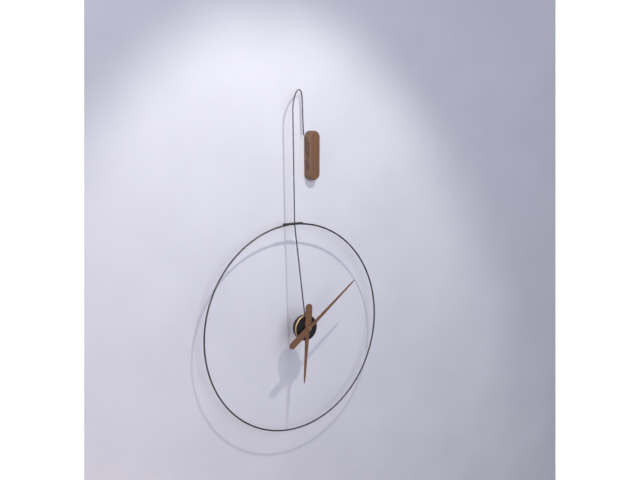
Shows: **6:09**
